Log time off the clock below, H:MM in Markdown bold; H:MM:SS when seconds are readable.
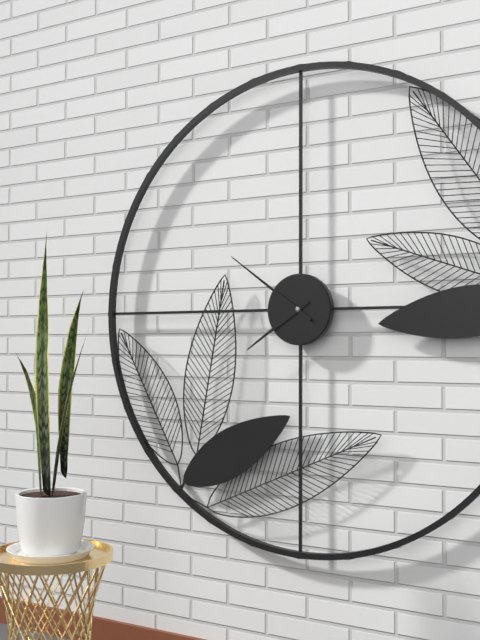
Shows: **7:51**
